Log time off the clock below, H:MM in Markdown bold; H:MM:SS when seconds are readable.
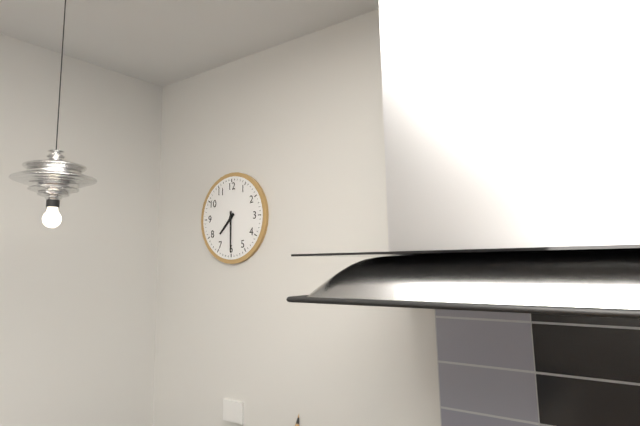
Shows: **7:30**
